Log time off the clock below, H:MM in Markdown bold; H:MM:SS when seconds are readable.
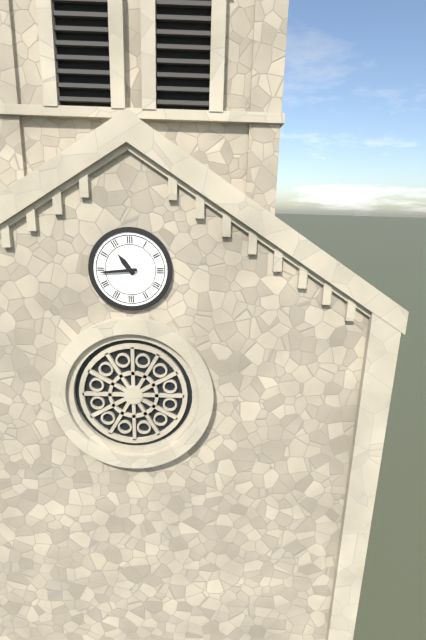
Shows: **10:44**
